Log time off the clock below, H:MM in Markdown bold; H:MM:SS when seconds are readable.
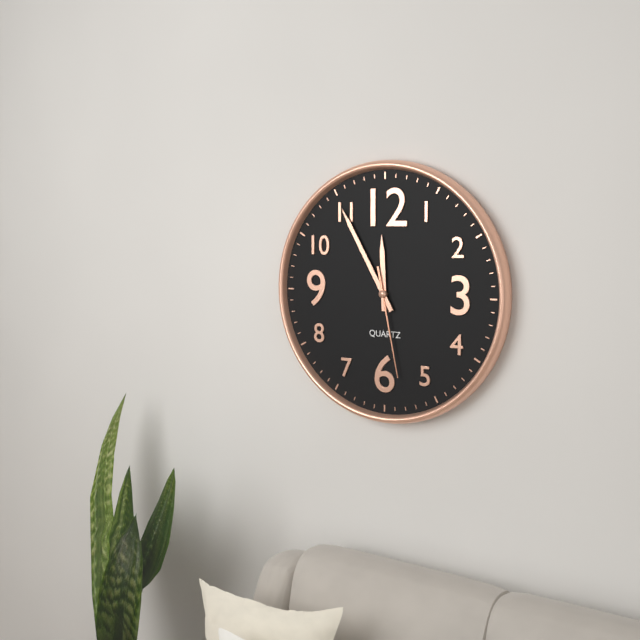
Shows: **11:55:28**
